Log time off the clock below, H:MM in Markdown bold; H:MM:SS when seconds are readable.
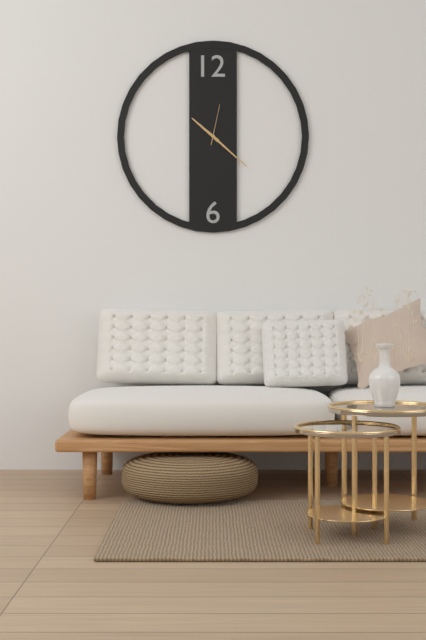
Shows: **10:22**
